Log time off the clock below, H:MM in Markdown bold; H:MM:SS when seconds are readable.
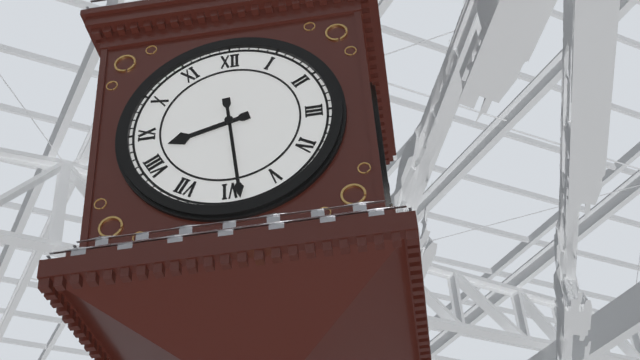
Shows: **8:29**
